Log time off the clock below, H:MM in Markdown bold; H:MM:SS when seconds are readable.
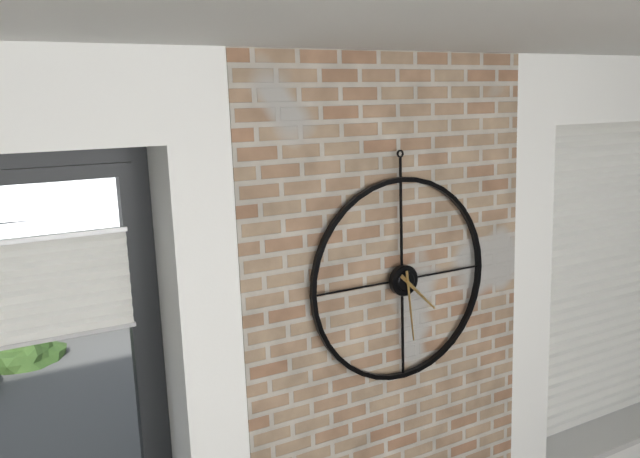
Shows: **4:29**
